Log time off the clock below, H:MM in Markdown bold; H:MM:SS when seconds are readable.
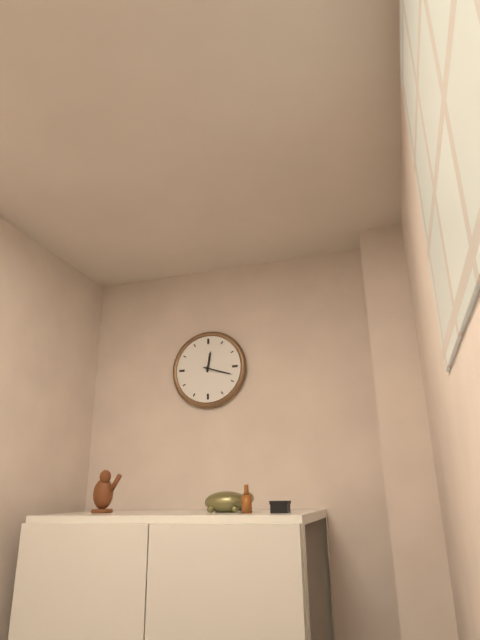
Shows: **12:18**
